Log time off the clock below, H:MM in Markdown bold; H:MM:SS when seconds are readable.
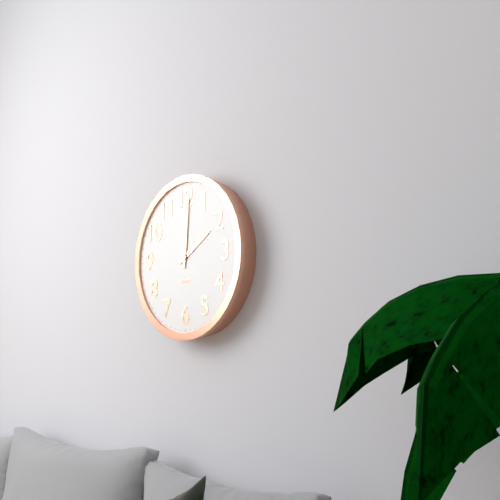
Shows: **2:01**
